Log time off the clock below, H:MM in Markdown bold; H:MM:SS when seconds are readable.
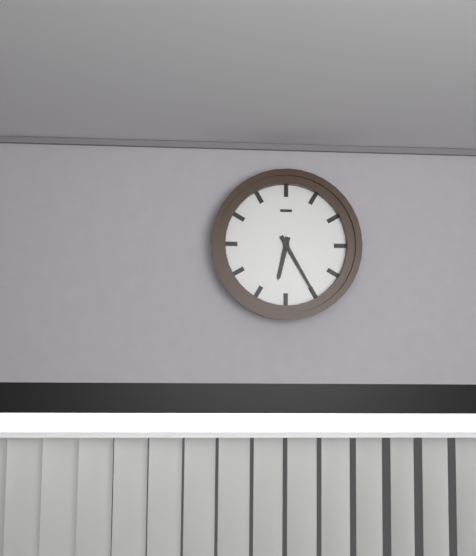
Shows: **6:25**
